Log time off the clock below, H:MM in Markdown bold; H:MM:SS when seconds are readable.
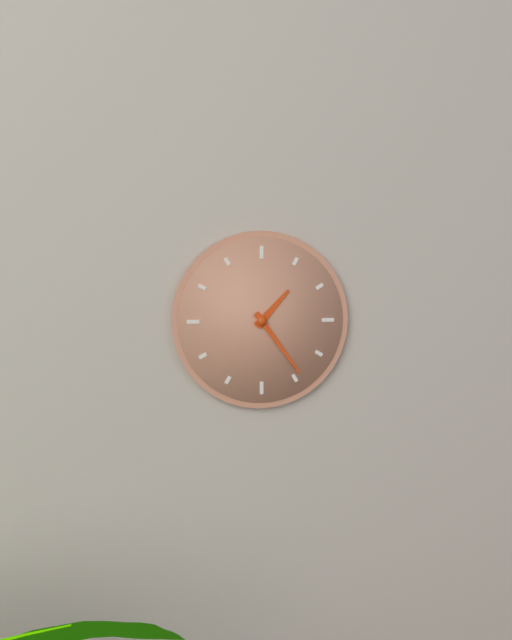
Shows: **1:24**
